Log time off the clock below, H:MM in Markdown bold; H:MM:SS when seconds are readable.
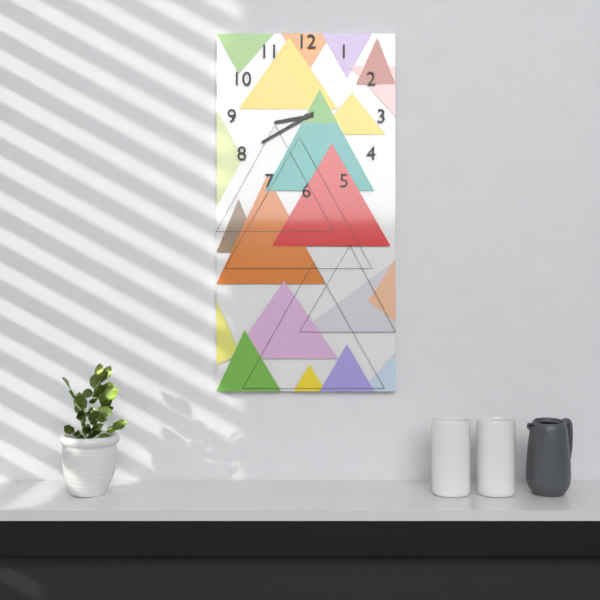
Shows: **8:40**
